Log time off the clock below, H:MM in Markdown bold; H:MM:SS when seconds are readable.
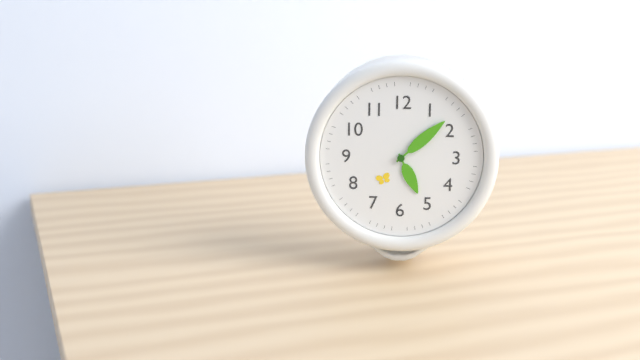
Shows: **5:08**
